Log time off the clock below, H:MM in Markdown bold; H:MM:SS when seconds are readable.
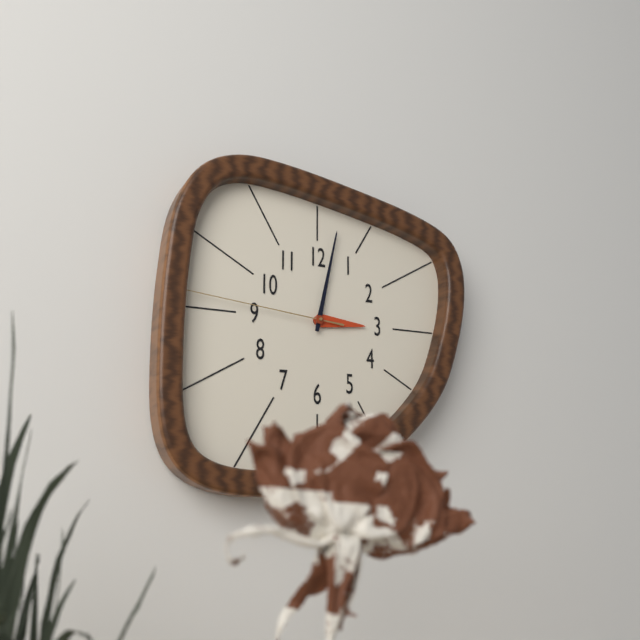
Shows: **3:02:46**
